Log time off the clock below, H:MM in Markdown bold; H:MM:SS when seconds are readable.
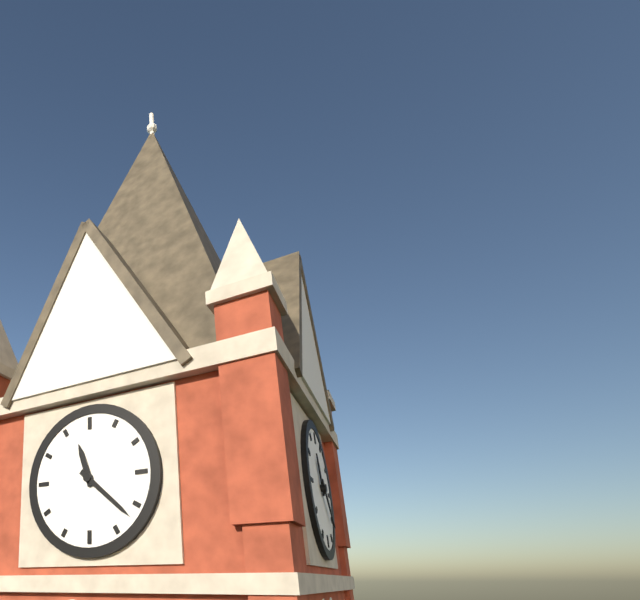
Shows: **11:22**
